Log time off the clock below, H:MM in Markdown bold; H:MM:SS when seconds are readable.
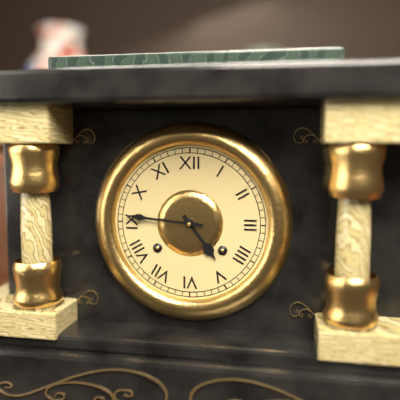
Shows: **4:46**
